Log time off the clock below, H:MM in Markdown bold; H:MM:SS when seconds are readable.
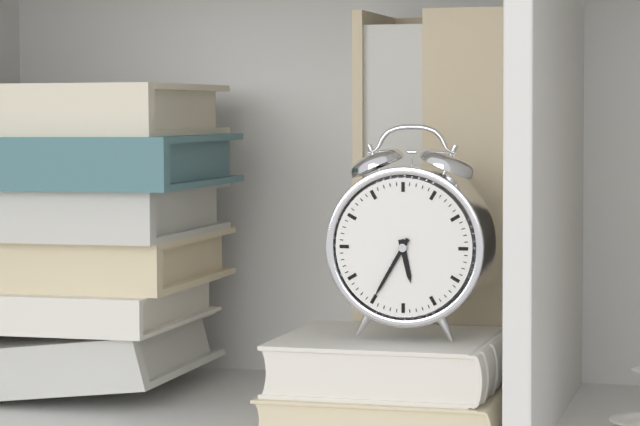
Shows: **5:35**
